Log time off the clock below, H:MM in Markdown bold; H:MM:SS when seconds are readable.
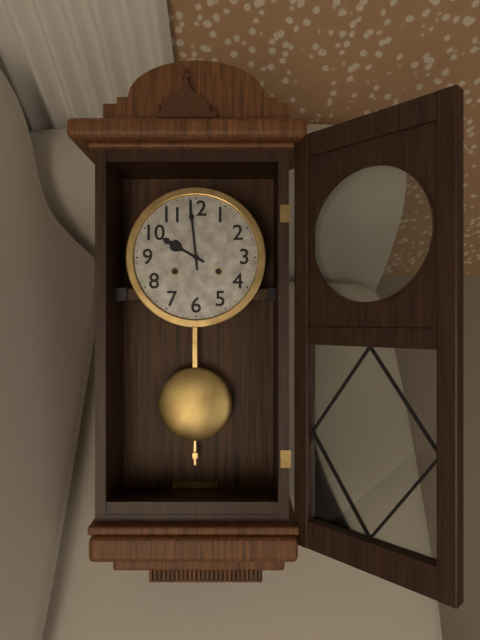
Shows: **9:59**
